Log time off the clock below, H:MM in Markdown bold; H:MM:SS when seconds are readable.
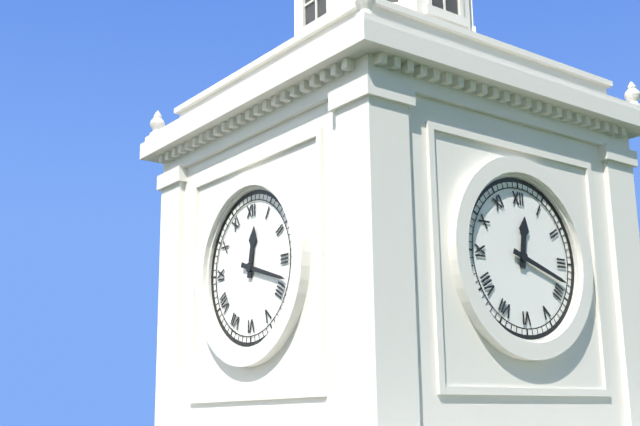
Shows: **12:18**
